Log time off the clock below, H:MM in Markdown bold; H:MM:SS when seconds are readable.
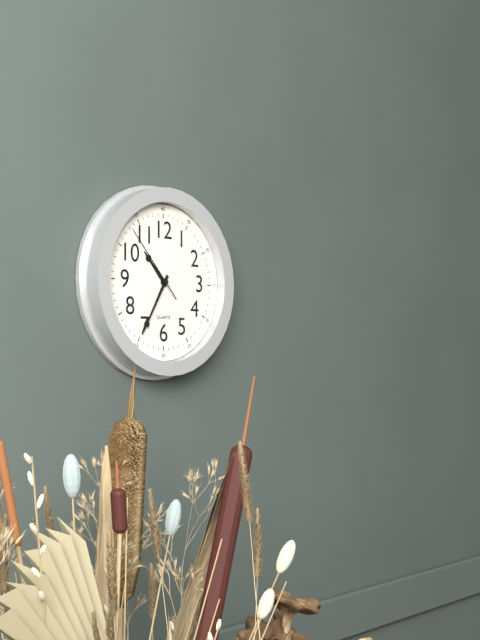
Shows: **10:35:53**
